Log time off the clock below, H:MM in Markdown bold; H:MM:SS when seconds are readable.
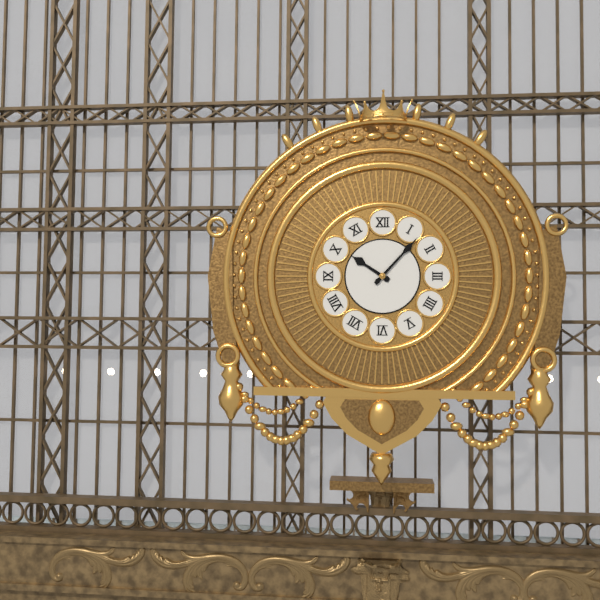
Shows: **10:07**
